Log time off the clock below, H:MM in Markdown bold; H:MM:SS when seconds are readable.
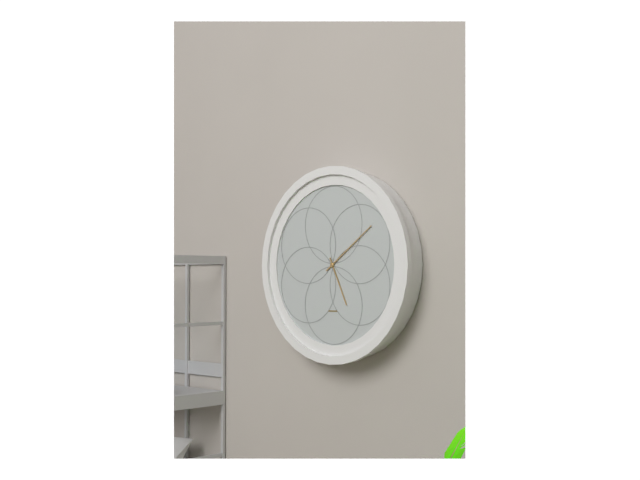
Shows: **5:09**
